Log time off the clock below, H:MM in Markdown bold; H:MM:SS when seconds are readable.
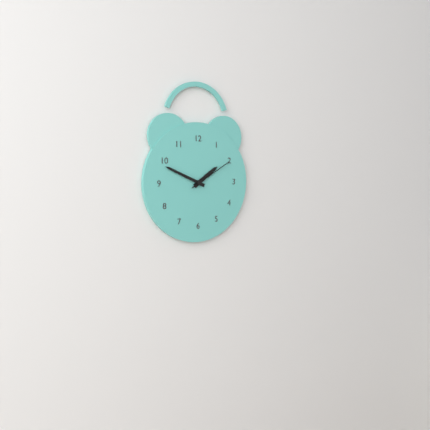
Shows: **1:49**
